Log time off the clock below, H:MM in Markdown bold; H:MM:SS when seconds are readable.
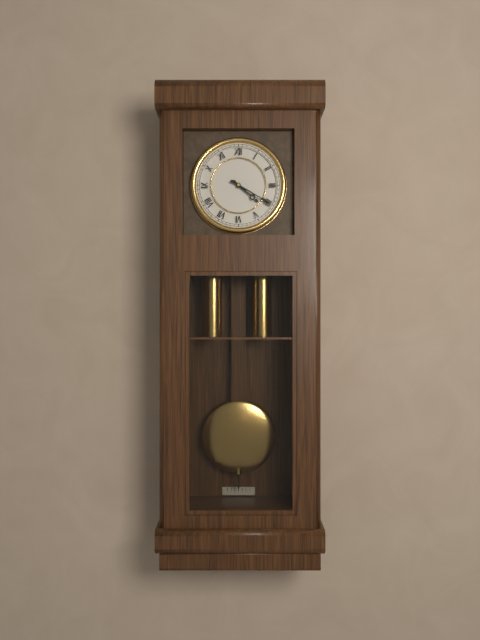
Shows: **4:20**
